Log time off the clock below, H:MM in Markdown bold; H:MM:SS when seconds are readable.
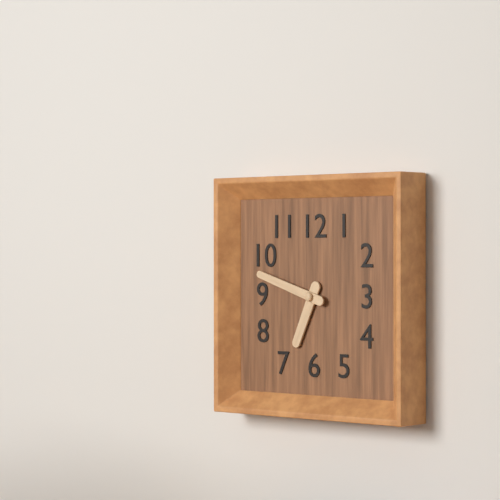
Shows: **6:48**
